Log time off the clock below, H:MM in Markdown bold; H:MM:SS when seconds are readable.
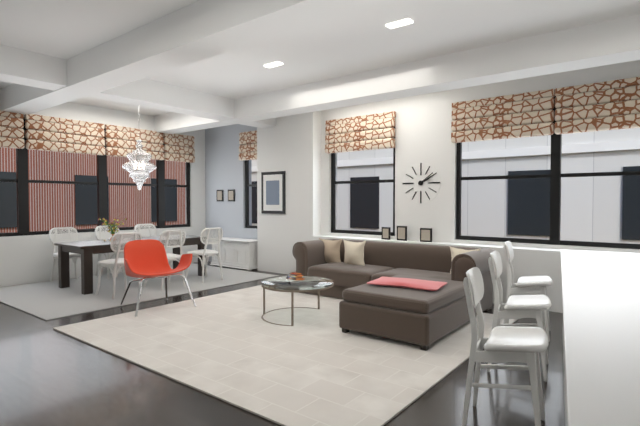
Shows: **2:09**
